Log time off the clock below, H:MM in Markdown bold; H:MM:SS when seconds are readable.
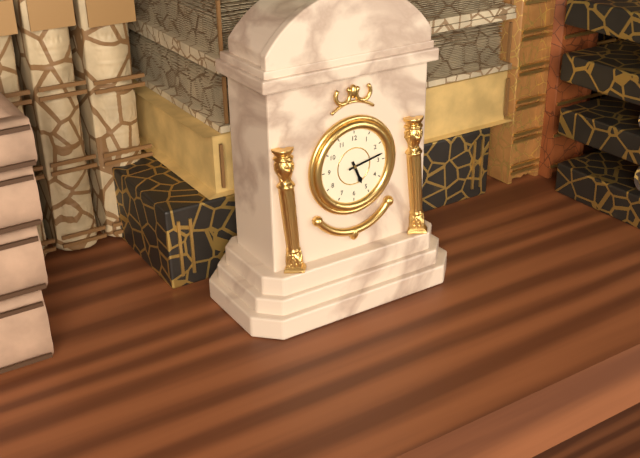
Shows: **5:13**
